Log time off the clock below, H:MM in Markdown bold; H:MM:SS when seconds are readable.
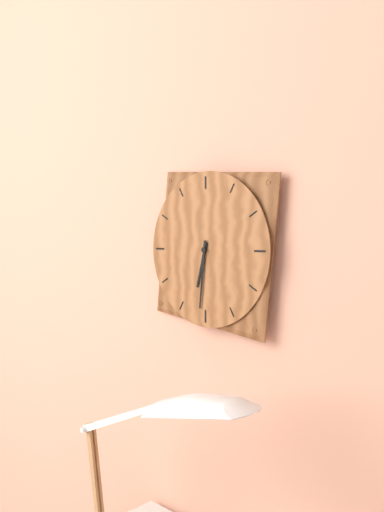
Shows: **6:31**
